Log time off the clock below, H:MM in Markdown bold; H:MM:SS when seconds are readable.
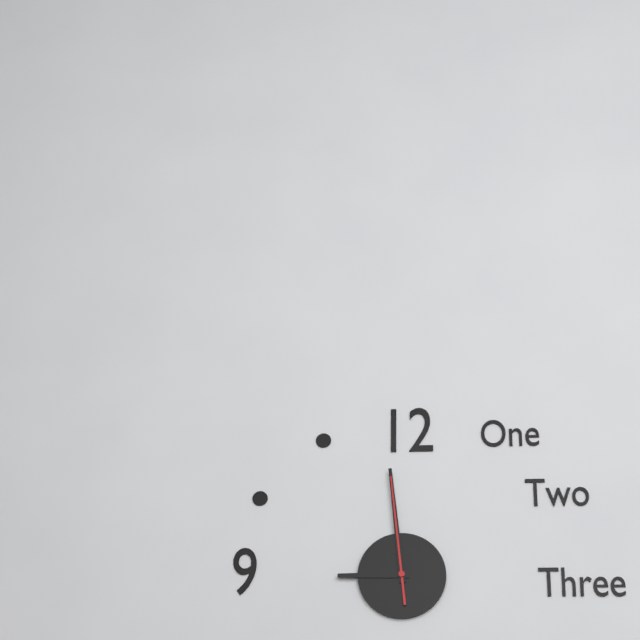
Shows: **8:59:59**
